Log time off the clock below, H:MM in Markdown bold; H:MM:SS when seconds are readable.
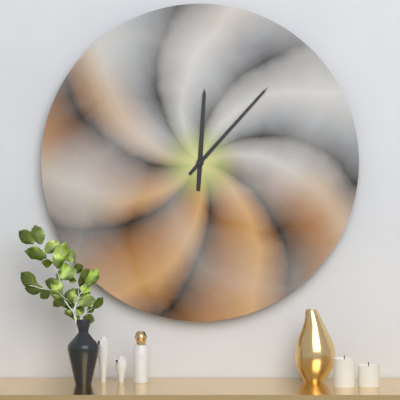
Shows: **12:07**
